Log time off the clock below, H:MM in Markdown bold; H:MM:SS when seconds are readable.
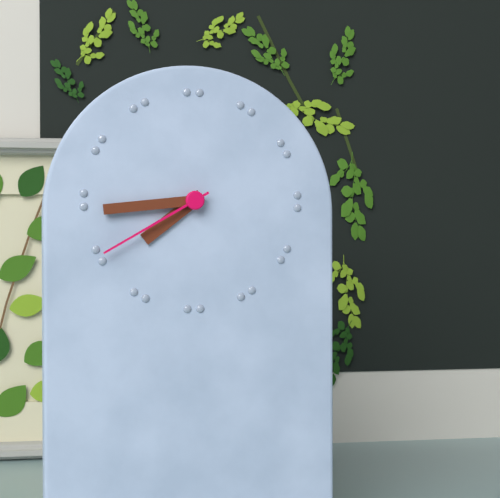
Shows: **7:44:40**
